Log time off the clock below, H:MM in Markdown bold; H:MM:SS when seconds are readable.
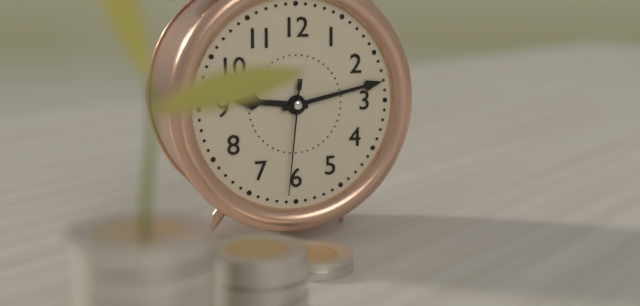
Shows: **9:13:31**
